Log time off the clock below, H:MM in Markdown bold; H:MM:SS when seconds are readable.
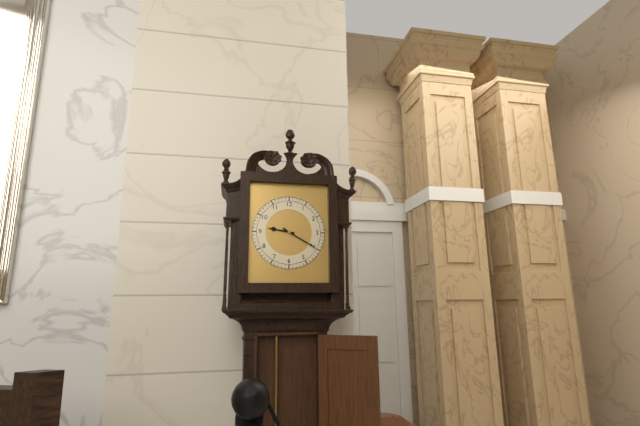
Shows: **9:20**
